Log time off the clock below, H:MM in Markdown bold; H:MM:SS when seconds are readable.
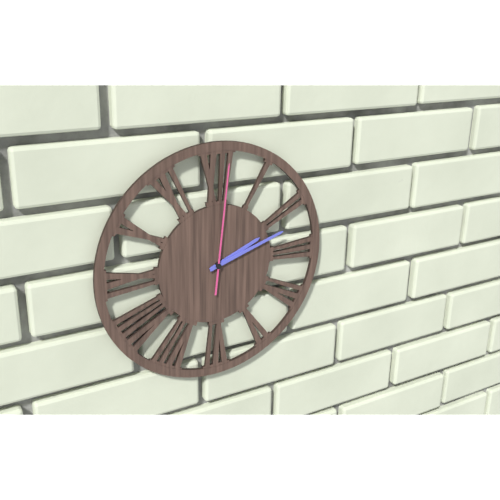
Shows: **2:12:01**
